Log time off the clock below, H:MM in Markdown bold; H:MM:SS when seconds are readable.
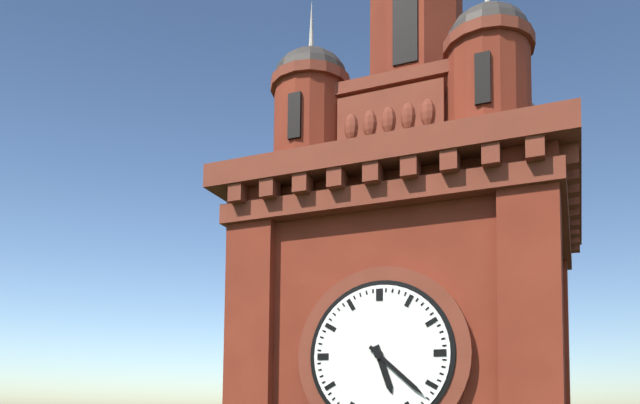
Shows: **5:22**
